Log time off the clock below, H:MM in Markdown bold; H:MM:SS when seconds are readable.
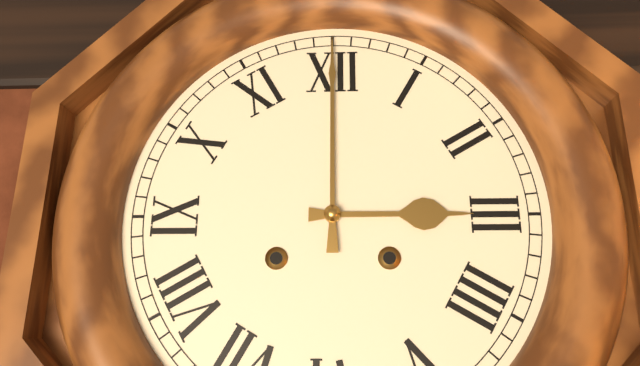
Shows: **3:00**
